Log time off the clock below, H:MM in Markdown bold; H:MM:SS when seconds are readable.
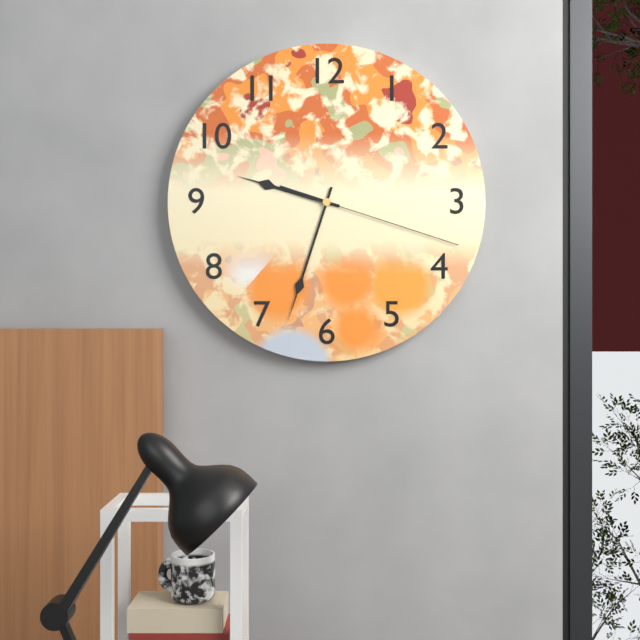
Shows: **9:33:18**
